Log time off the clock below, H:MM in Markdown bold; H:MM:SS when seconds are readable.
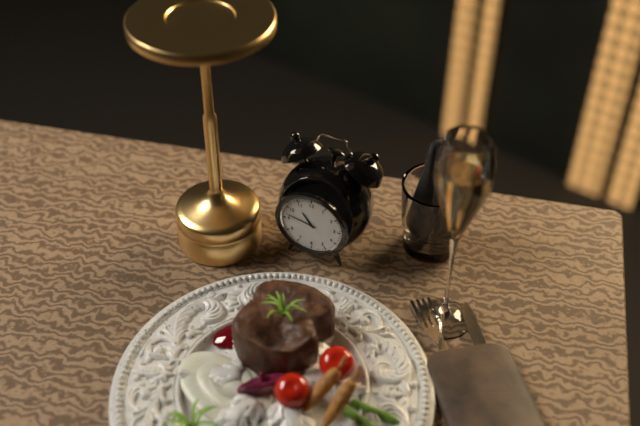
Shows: **10:47**
